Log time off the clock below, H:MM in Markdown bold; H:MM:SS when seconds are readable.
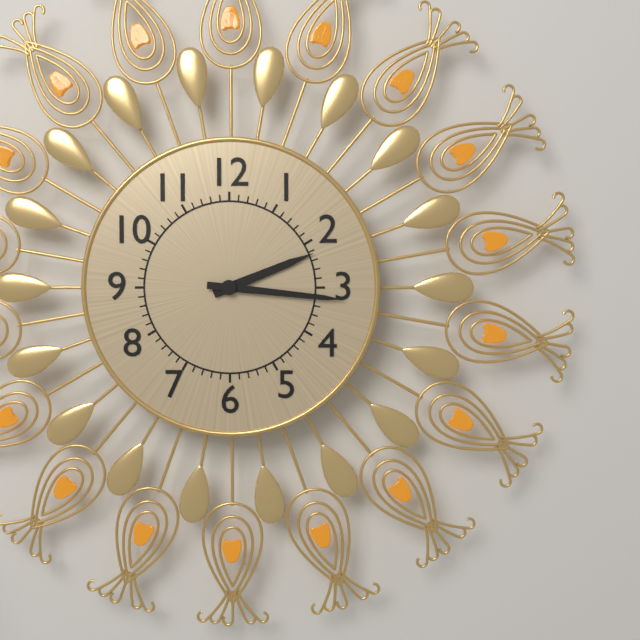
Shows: **2:16**
